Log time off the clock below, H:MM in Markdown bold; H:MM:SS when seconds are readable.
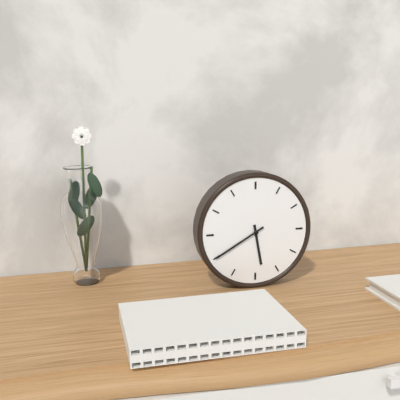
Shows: **5:40**
